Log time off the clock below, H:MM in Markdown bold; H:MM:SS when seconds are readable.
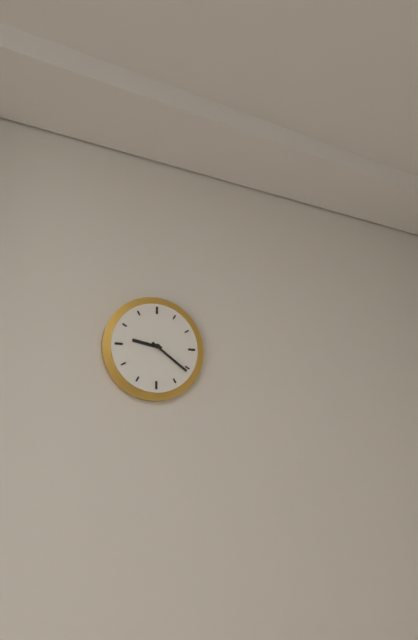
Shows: **9:21**
